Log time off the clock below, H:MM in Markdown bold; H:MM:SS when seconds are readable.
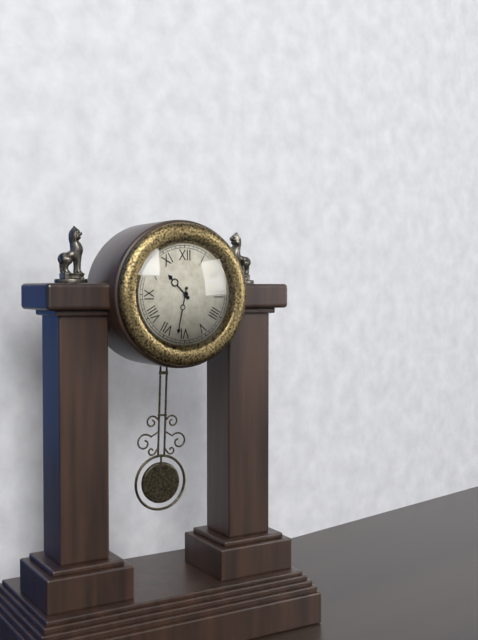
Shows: **10:32**
